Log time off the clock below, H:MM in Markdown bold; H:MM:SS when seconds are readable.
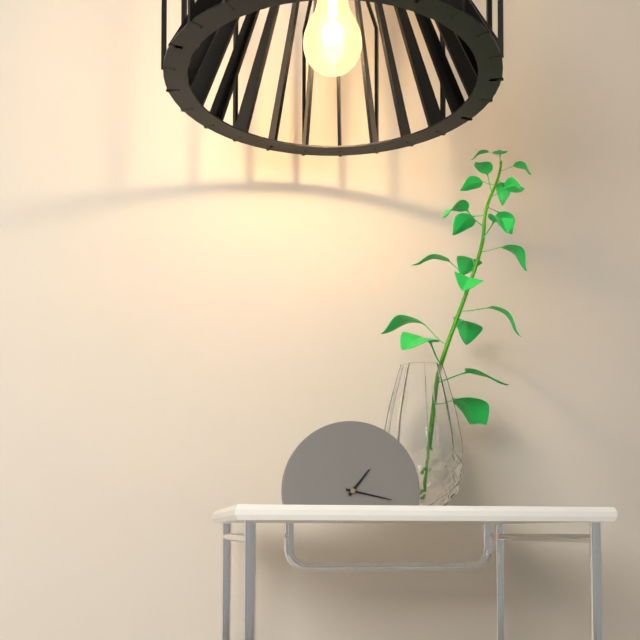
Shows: **1:17**
